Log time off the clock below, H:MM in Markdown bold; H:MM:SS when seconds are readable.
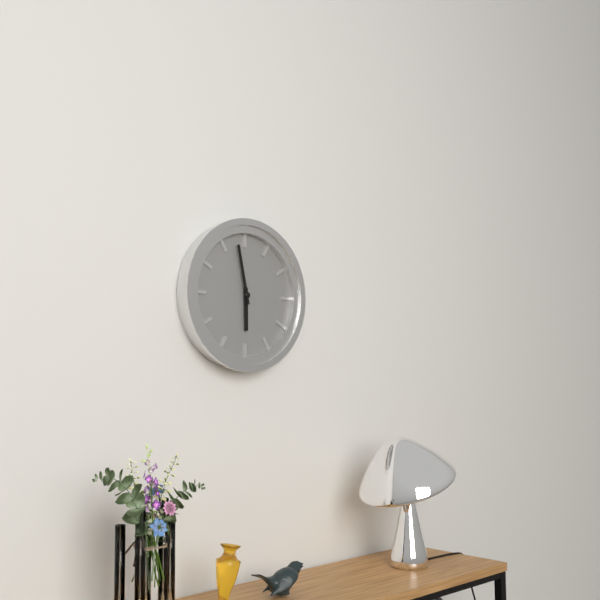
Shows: **5:58**
